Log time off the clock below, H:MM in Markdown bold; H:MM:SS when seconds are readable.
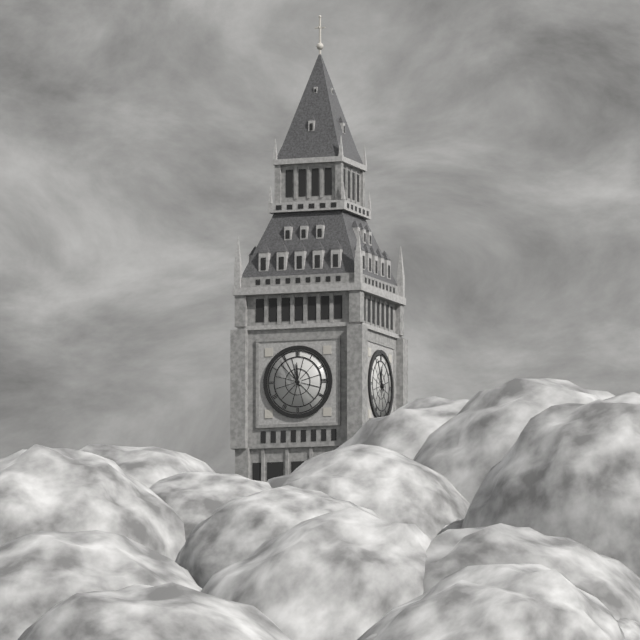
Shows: **11:55**
